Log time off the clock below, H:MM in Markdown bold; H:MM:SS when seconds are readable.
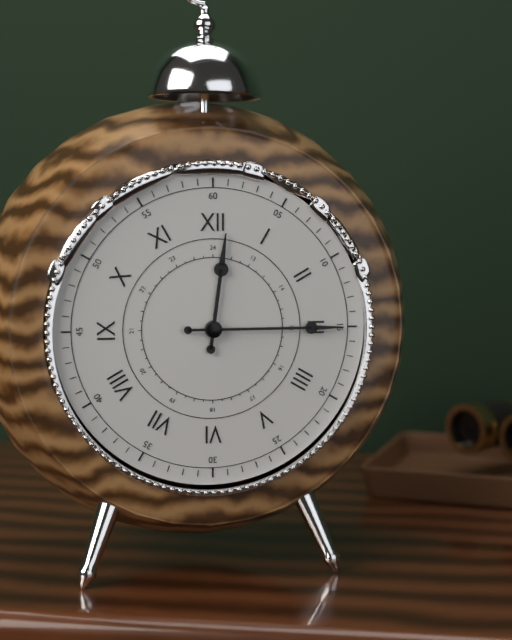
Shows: **12:15**
